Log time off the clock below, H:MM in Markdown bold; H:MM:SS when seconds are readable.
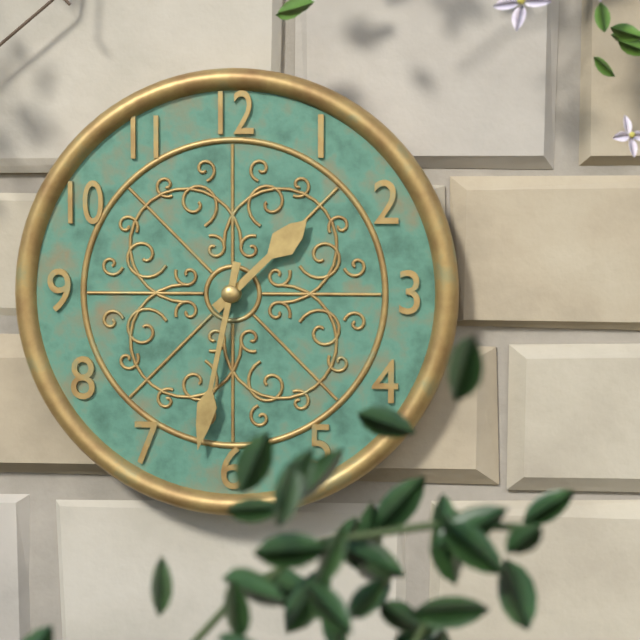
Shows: **1:32**
